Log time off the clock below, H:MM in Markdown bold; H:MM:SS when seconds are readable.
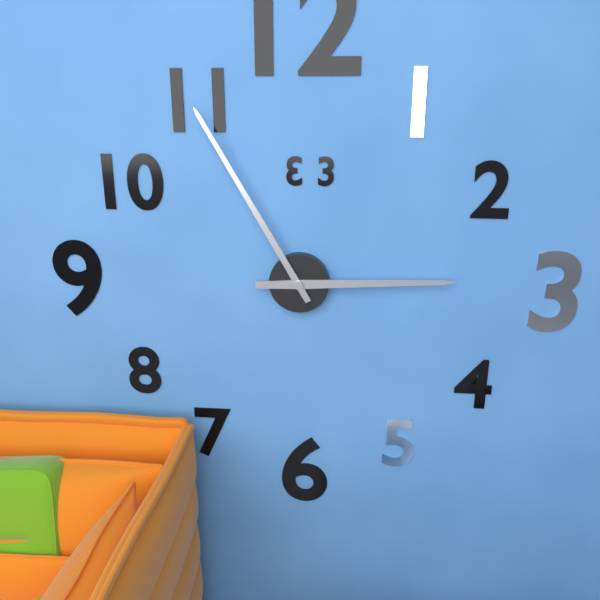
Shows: **2:55**
